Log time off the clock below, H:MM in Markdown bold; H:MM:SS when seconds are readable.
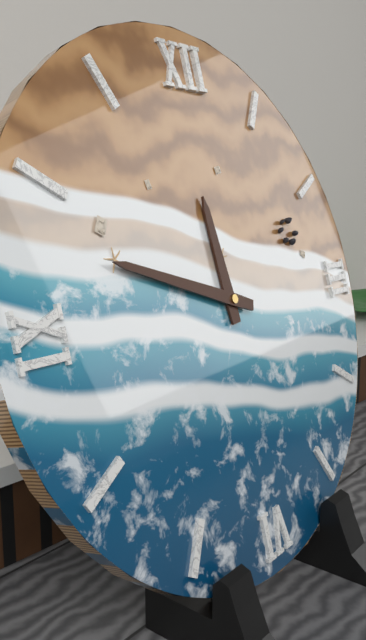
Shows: **11:48**
